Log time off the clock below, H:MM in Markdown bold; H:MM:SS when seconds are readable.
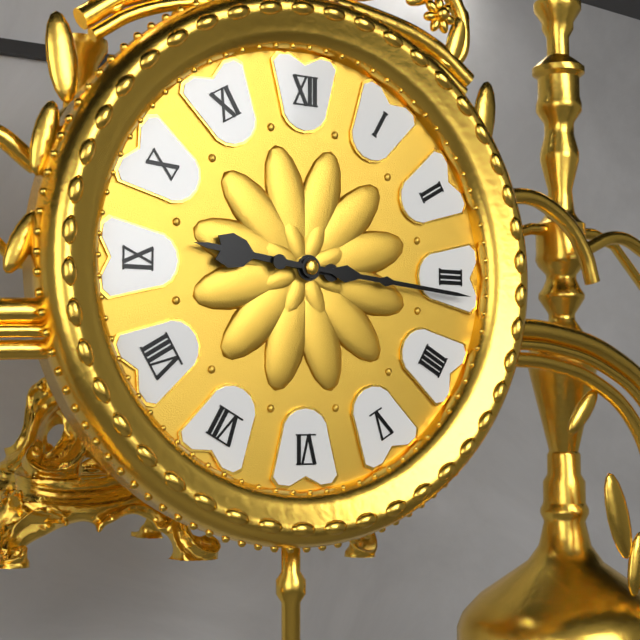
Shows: **9:16**
